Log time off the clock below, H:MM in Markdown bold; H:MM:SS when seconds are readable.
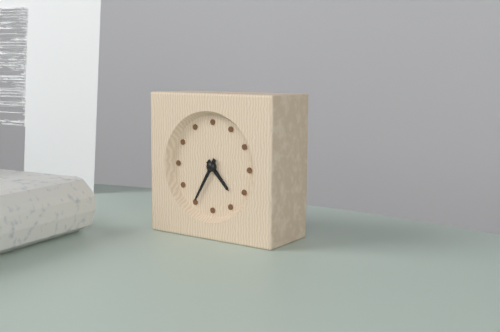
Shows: **4:35**
